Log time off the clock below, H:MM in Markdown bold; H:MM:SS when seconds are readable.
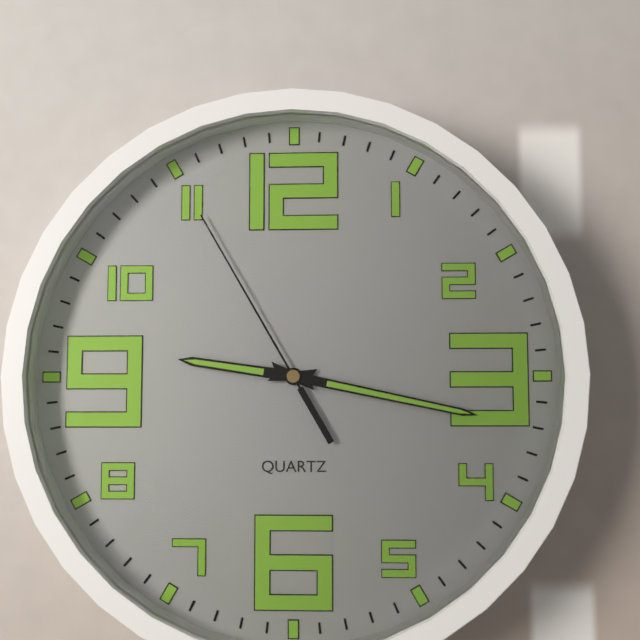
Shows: **9:17:55**
